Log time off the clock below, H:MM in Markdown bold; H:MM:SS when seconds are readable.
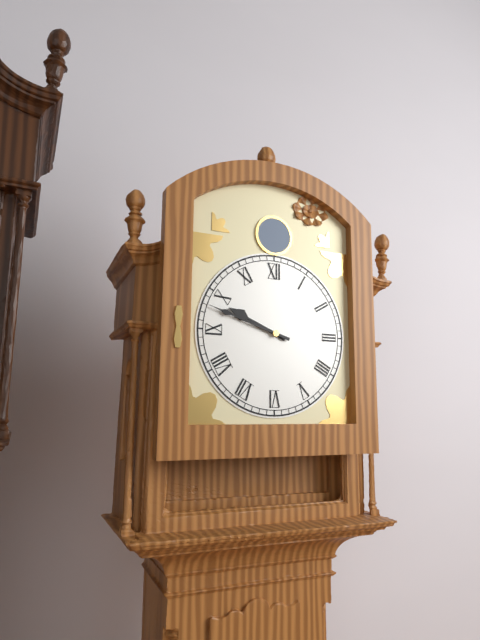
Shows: **9:48**
